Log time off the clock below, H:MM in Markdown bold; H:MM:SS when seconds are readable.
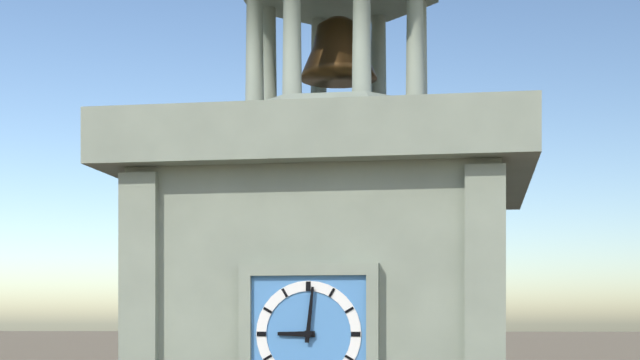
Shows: **9:01**
